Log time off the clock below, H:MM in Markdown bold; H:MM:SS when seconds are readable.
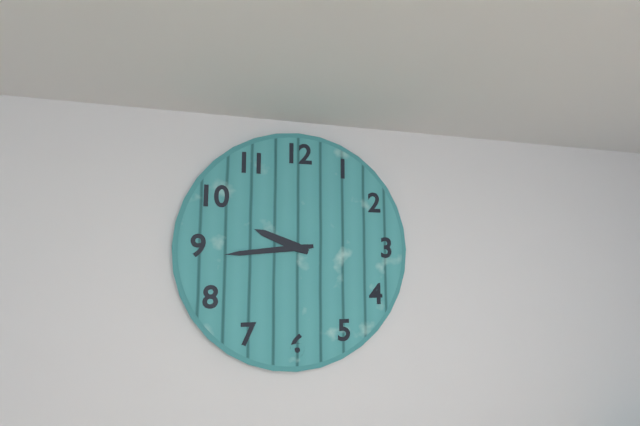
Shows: **9:44**
